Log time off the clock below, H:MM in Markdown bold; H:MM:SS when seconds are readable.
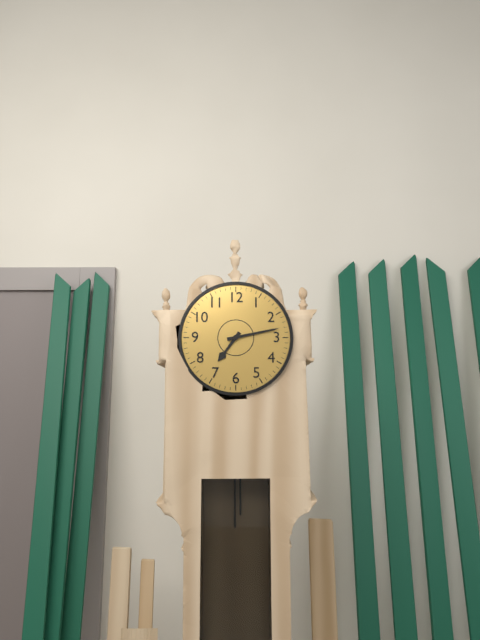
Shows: **7:13**
